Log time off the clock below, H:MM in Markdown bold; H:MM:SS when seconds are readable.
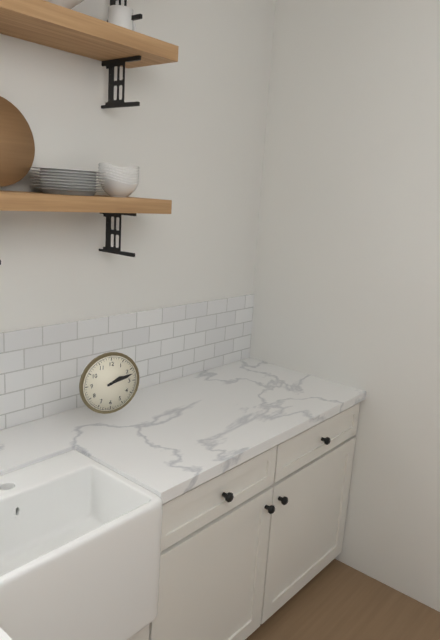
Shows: **2:12**
